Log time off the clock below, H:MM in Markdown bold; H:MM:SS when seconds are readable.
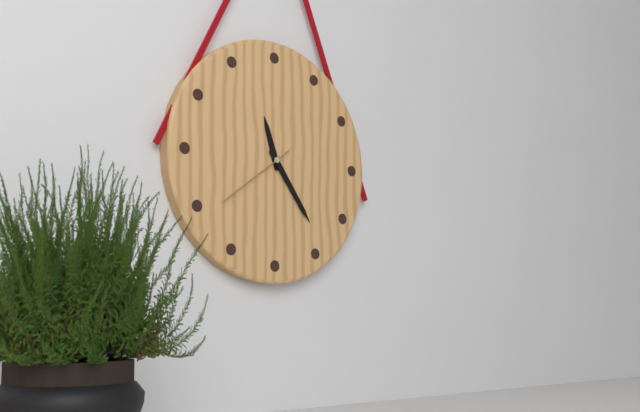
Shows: **11:24:39**
